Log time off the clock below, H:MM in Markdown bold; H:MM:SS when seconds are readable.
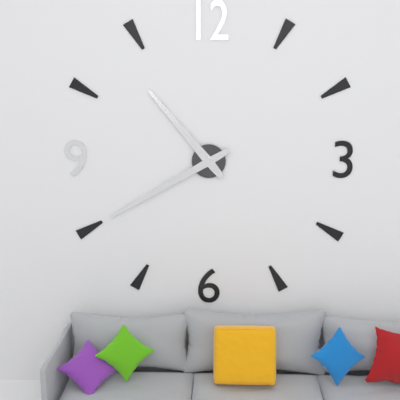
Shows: **10:40**
